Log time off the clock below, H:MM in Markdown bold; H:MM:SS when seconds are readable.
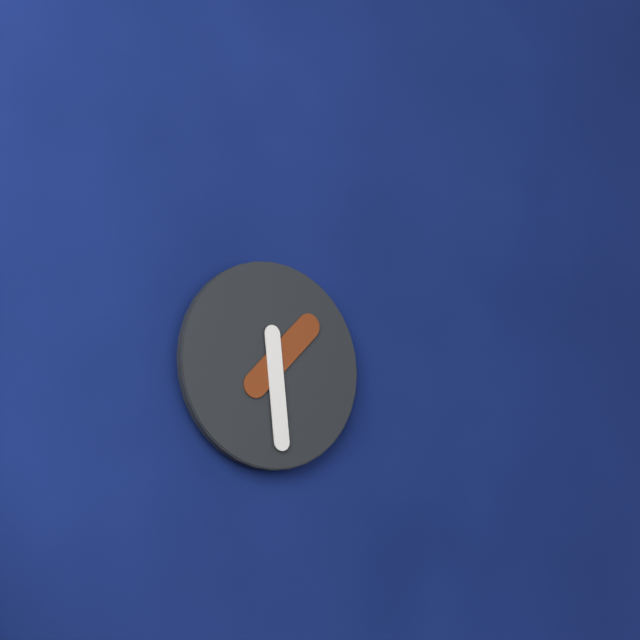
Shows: **1:29**
